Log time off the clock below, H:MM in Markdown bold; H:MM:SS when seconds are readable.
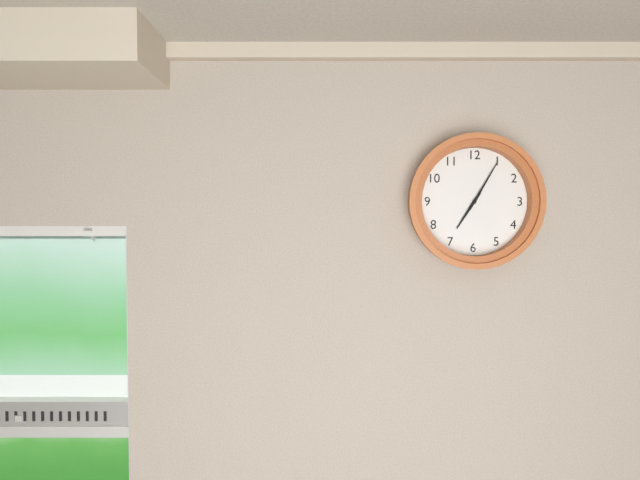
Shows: **7:05**
